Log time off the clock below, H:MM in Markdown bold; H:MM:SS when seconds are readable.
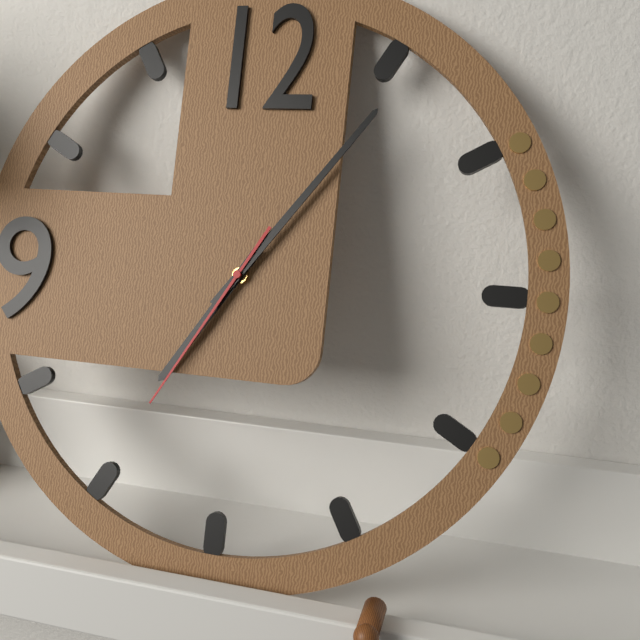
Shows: **7:06:35**
